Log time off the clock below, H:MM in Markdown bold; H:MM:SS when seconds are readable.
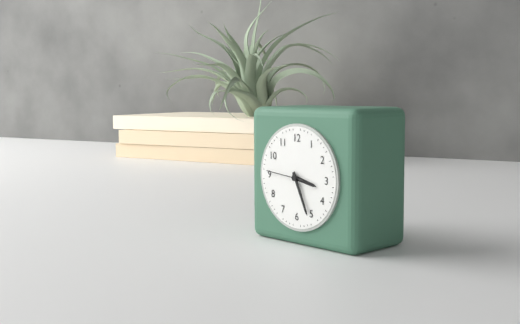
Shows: **3:26**
